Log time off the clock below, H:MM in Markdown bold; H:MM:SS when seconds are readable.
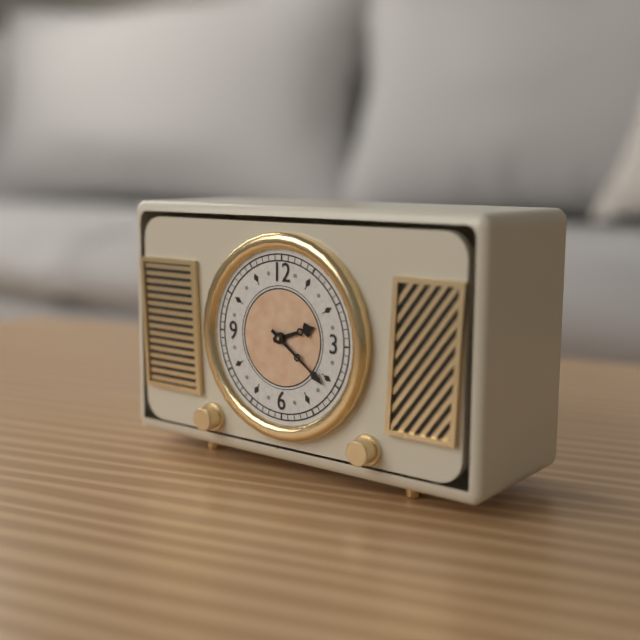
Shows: **2:21**
